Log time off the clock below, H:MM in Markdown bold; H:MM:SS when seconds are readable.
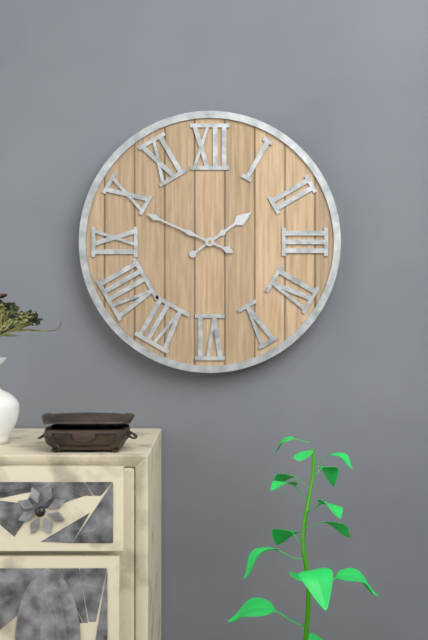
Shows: **1:49**
